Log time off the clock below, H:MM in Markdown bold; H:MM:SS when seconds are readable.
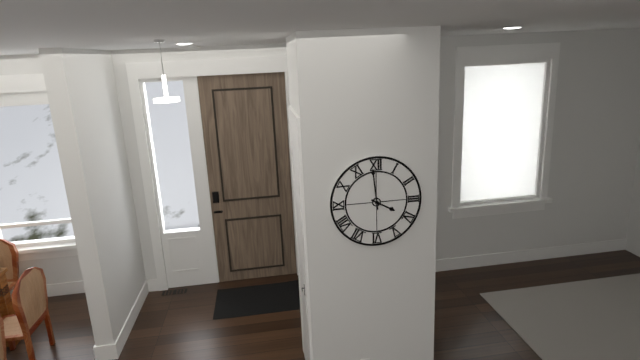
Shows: **3:59**
